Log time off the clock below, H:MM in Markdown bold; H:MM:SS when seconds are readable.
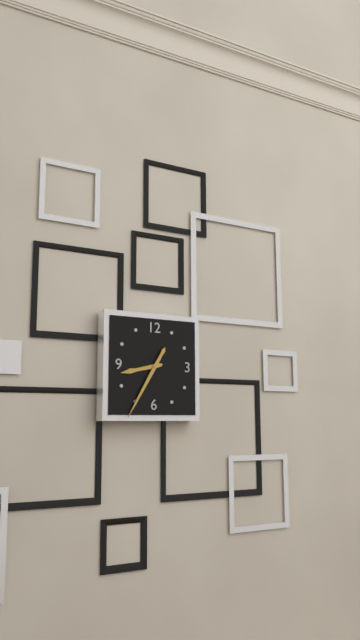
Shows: **8:35**
